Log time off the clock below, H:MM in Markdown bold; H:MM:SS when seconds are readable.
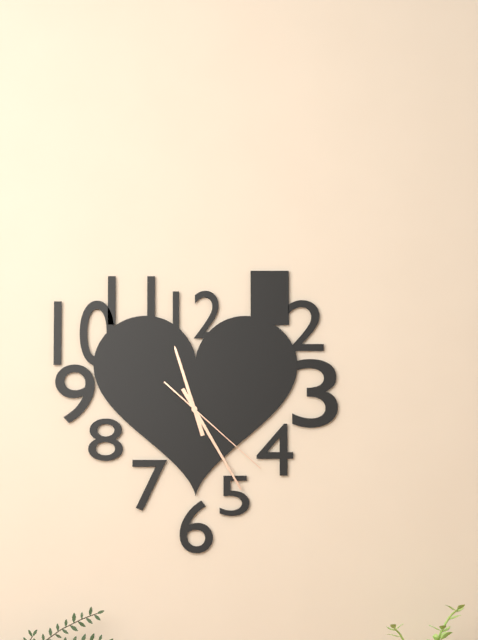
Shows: **11:25:22**
